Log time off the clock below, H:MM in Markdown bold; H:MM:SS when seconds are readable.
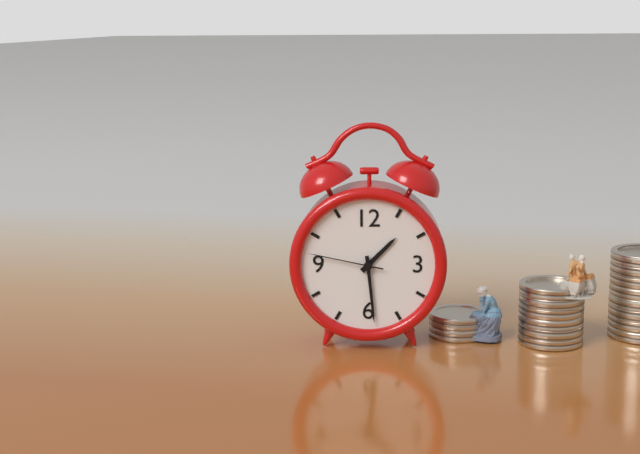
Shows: **1:29:47**
